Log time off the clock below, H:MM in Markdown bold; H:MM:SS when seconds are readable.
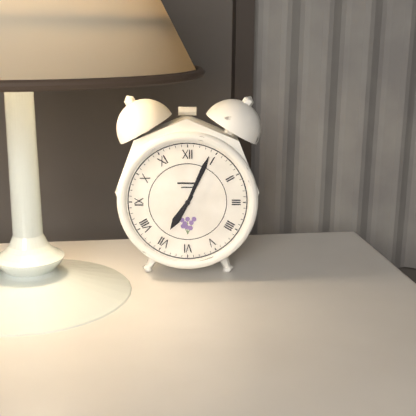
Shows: **7:04**
